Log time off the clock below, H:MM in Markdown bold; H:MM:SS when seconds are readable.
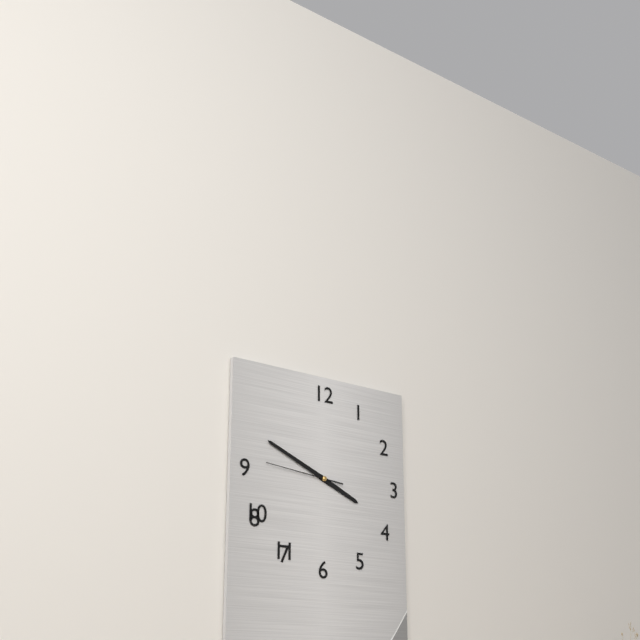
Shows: **3:49:46**
